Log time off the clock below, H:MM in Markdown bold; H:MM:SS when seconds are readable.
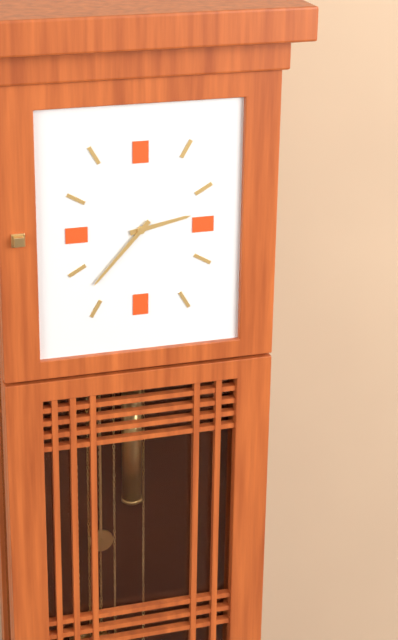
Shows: **2:37**
